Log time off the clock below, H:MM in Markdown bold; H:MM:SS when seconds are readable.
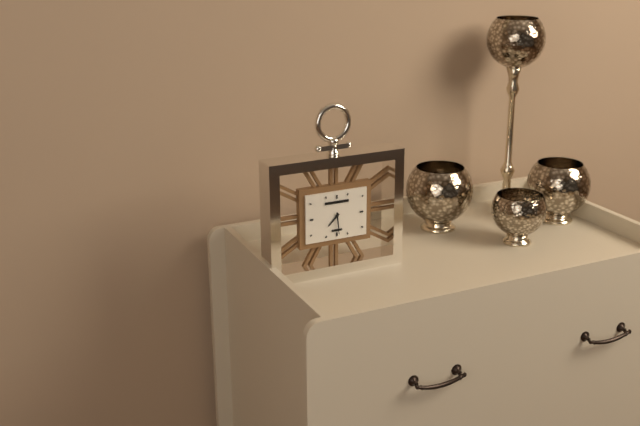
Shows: **7:29**
